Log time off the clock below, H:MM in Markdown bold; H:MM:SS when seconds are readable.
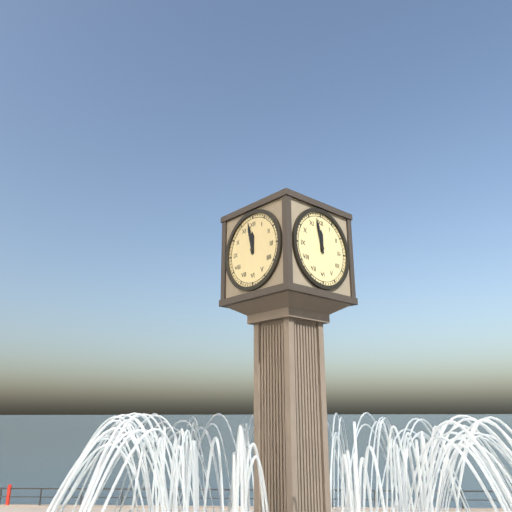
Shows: **11:58**
